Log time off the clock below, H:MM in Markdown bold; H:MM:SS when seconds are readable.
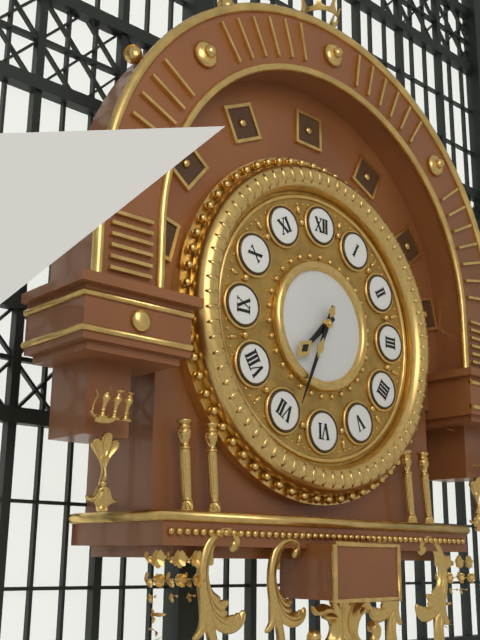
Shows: **7:34**
